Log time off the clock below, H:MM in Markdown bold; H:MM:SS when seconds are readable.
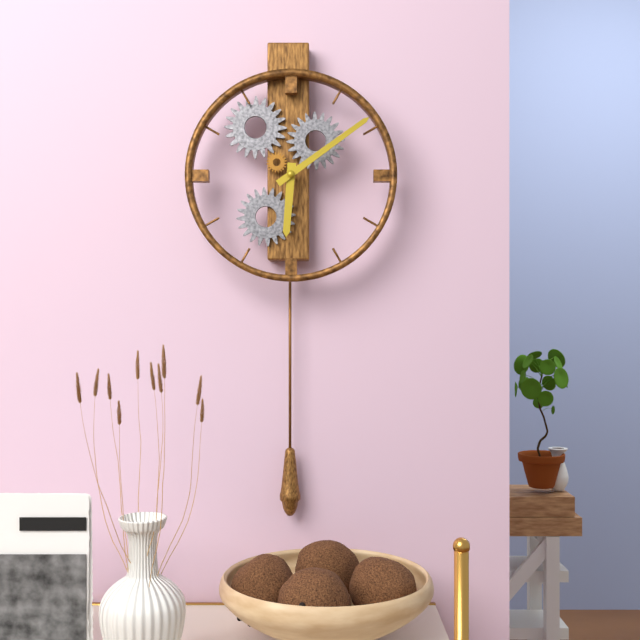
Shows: **6:09**
